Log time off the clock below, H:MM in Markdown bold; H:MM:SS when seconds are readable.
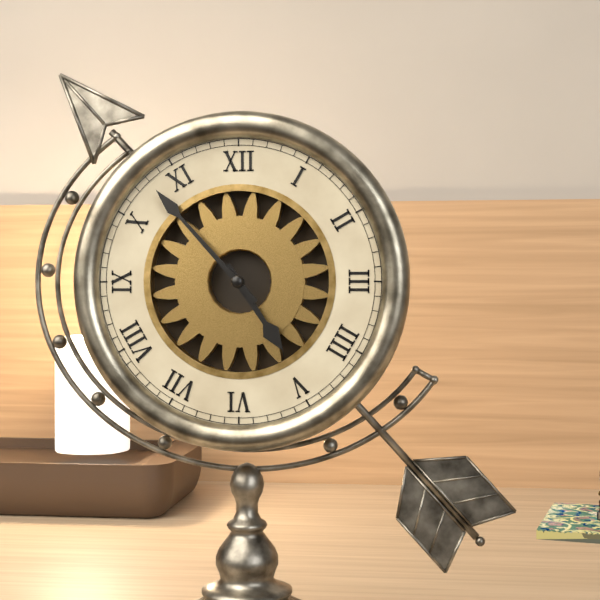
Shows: **4:53**
